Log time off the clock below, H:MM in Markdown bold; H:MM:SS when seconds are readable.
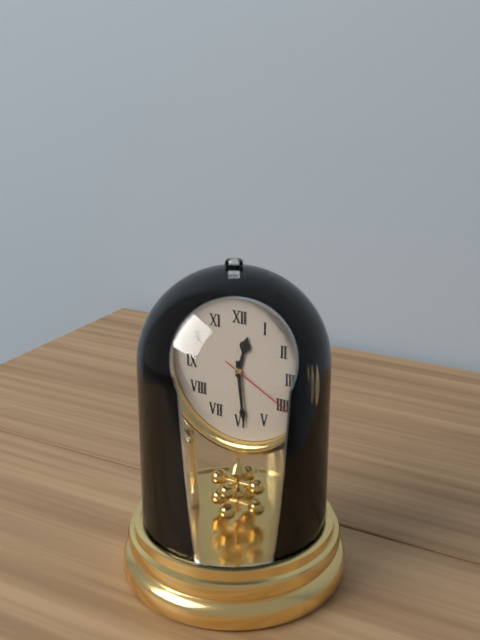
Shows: **12:29:20**
